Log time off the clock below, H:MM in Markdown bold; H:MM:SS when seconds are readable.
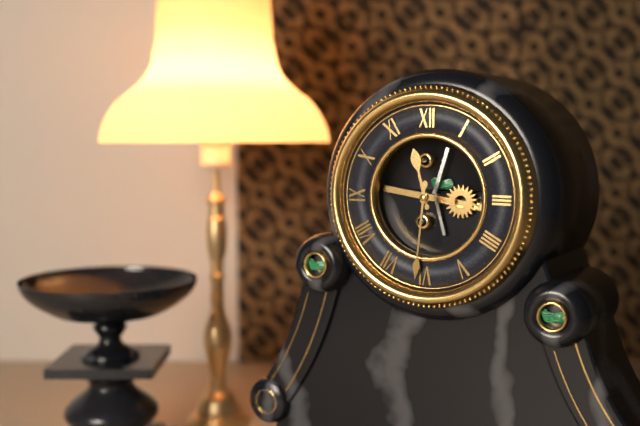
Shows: **11:31**
